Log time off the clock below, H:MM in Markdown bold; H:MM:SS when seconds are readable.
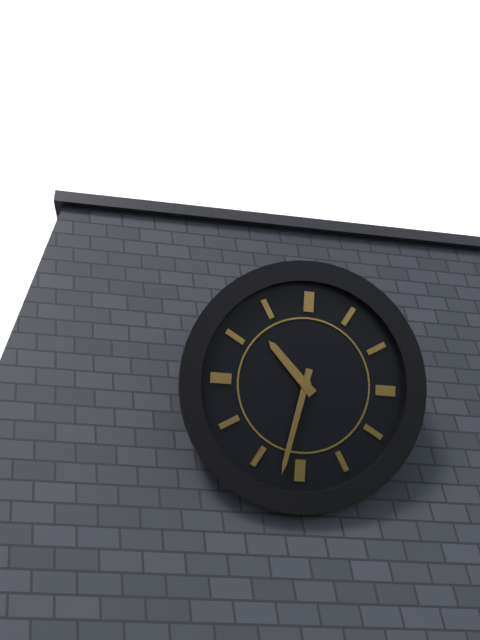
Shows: **10:32**
